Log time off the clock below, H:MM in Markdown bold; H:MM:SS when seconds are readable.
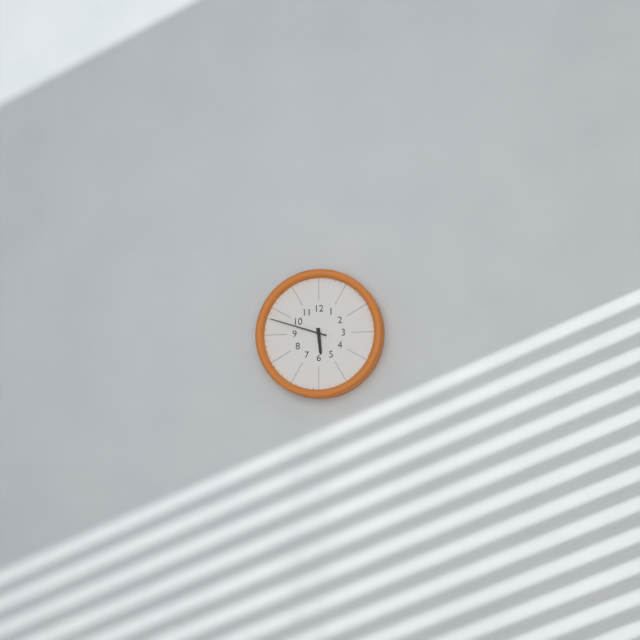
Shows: **5:48**
